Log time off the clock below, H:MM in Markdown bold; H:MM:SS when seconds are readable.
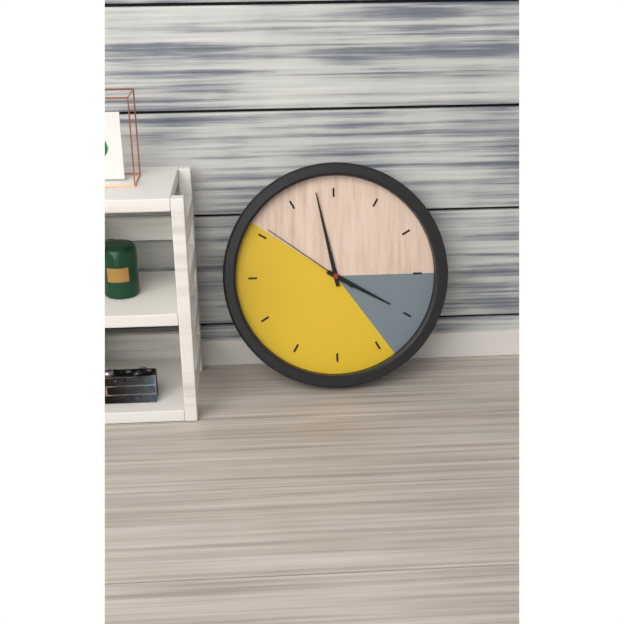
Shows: **3:58:51**
